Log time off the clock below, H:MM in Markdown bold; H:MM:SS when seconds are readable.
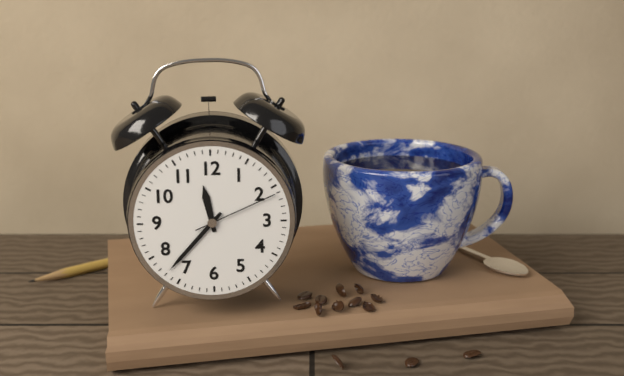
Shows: **11:37:11**
